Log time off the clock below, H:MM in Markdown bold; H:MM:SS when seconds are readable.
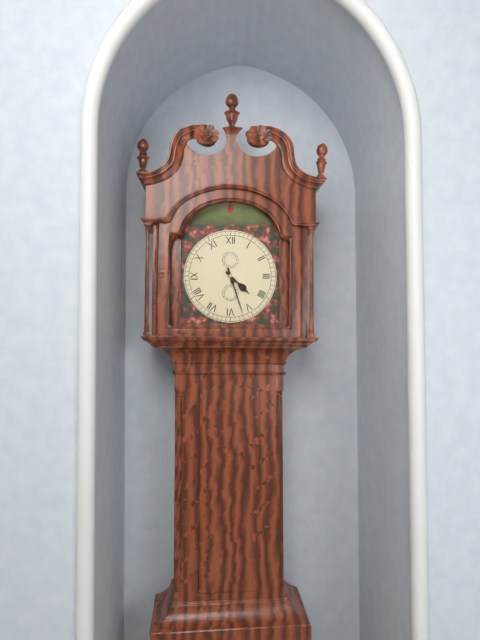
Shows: **4:27**
